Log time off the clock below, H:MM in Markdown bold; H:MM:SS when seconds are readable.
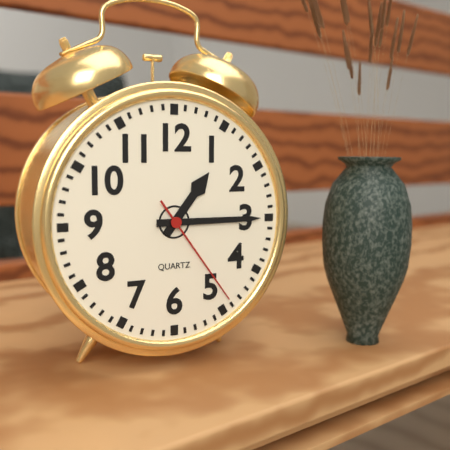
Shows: **1:15:24**
